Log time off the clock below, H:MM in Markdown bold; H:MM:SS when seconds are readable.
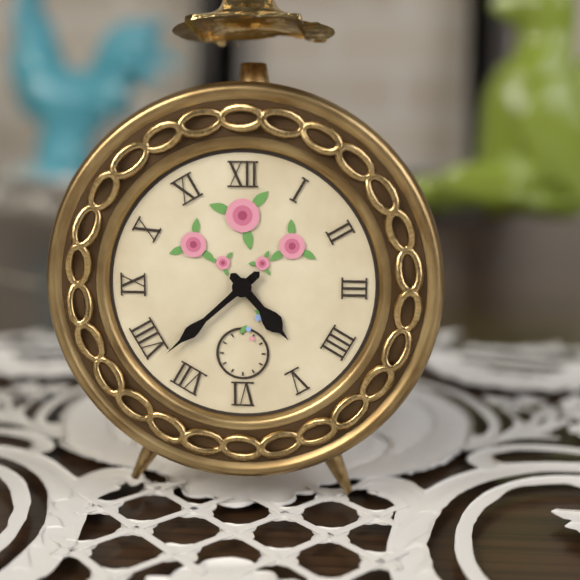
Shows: **4:38**
